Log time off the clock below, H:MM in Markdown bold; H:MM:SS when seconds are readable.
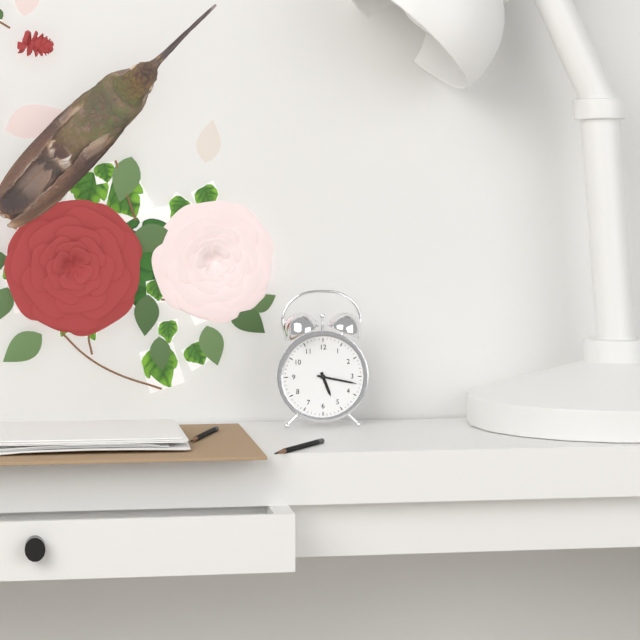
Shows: **5:17**
